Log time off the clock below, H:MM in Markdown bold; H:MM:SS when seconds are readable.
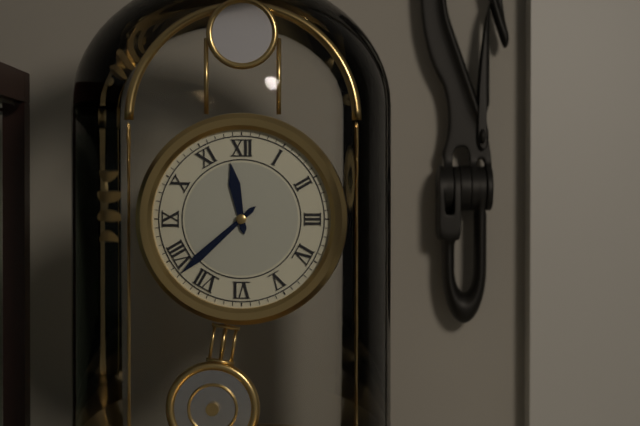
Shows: **11:38**
